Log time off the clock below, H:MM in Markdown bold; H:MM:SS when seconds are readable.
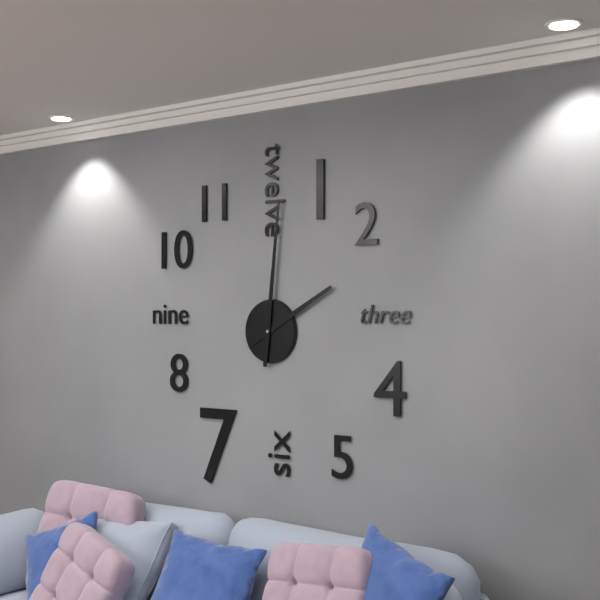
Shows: **2:01**
